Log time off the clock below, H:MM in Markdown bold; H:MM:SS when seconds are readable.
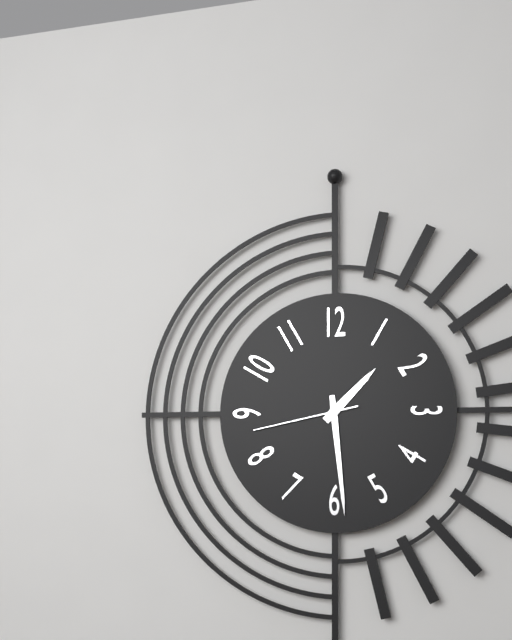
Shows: **1:29:43**
